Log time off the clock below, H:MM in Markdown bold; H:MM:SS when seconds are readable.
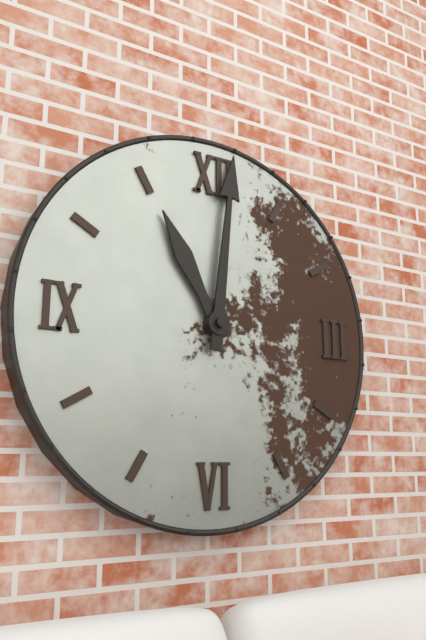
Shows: **11:01**
